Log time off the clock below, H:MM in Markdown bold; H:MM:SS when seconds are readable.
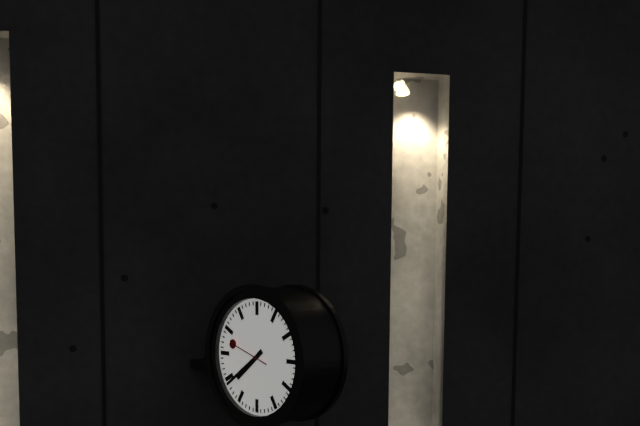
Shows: **7:39**
